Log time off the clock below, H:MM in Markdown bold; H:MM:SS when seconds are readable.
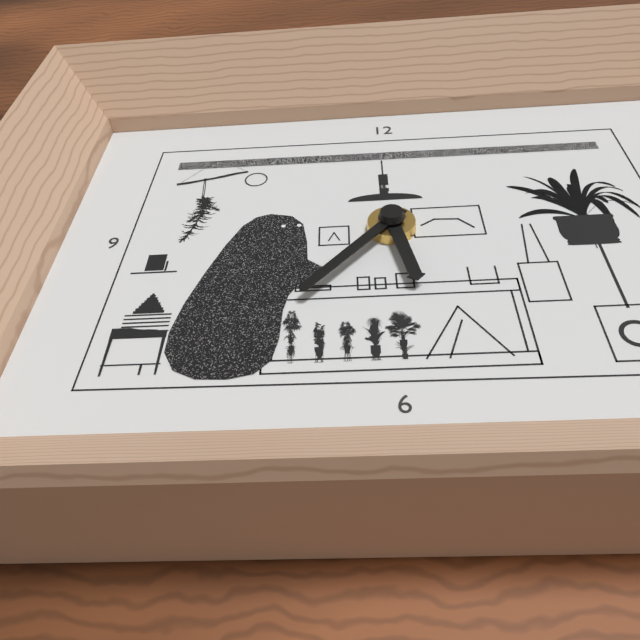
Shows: **5:37**
